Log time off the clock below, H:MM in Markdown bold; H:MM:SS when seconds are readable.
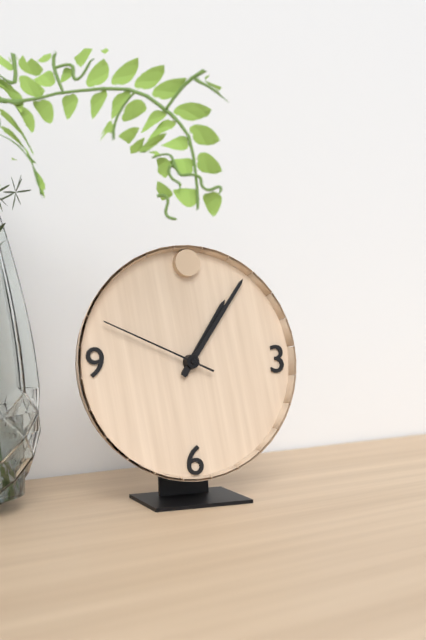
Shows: **1:06:49**
